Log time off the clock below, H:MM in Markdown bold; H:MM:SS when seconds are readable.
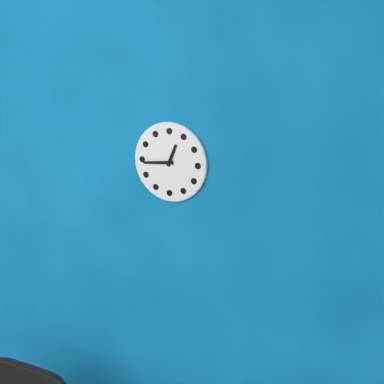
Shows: **12:44**
